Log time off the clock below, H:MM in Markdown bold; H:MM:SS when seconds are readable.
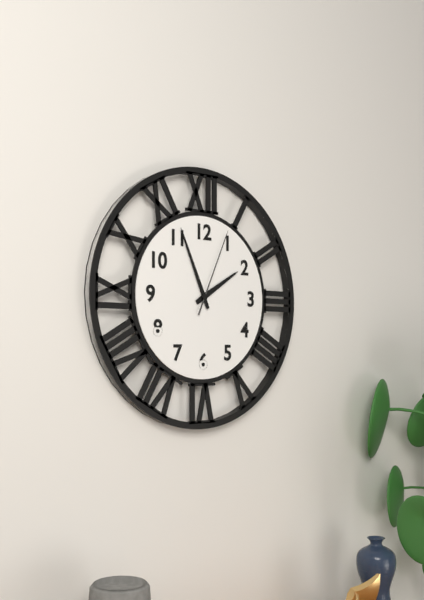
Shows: **1:56:04**
